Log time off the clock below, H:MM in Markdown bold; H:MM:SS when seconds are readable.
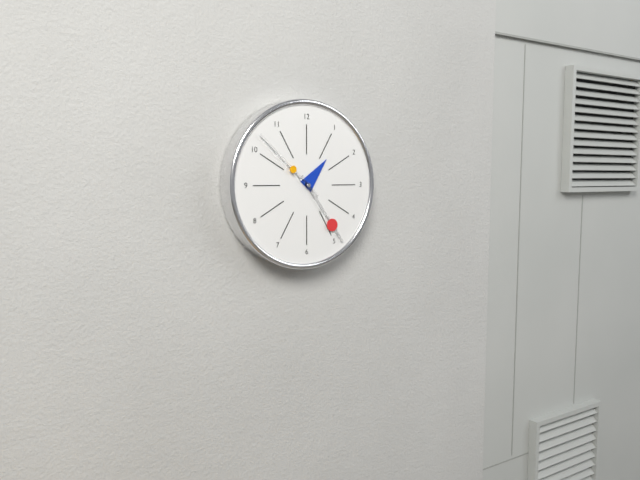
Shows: **1:24:52**
